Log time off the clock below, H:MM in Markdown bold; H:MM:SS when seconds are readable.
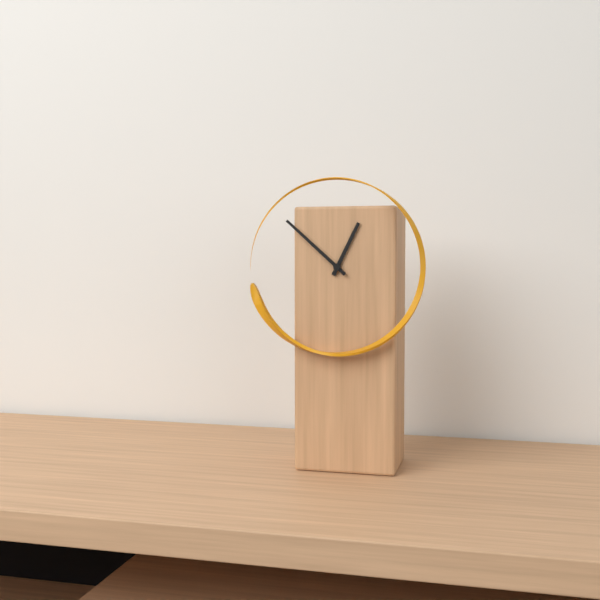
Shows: **12:52**
